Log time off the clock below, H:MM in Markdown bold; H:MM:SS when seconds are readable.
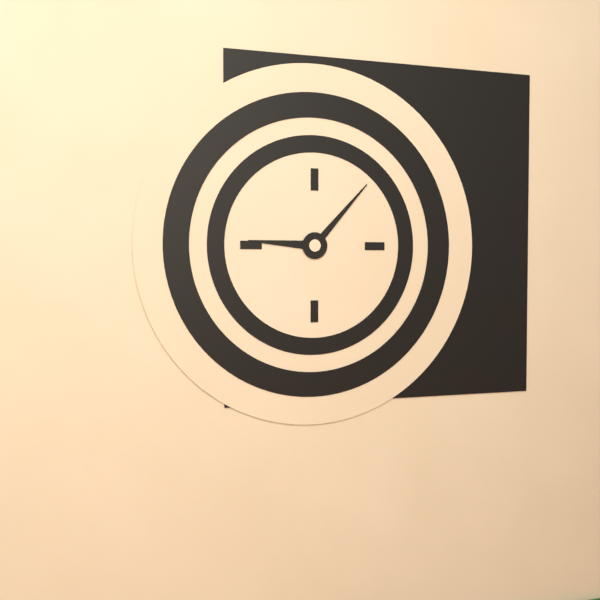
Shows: **9:07**
